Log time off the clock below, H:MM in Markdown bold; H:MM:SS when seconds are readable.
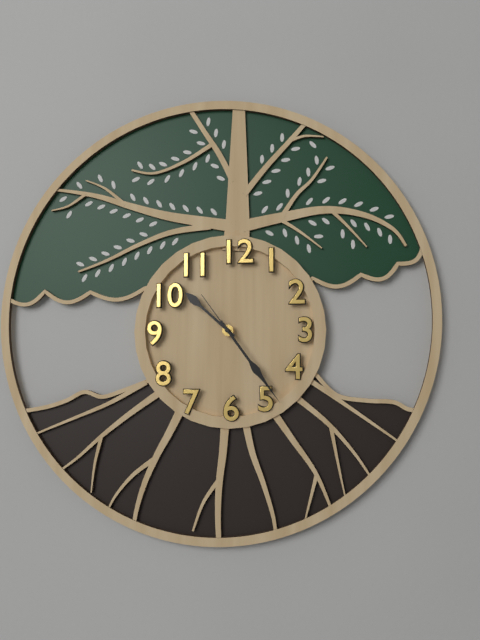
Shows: **10:24:54**
